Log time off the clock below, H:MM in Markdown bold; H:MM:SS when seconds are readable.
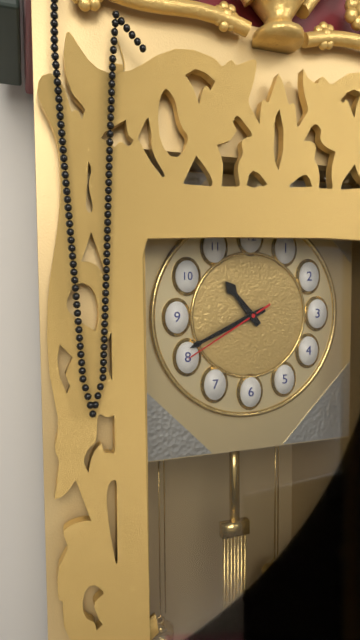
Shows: **10:41:40**
